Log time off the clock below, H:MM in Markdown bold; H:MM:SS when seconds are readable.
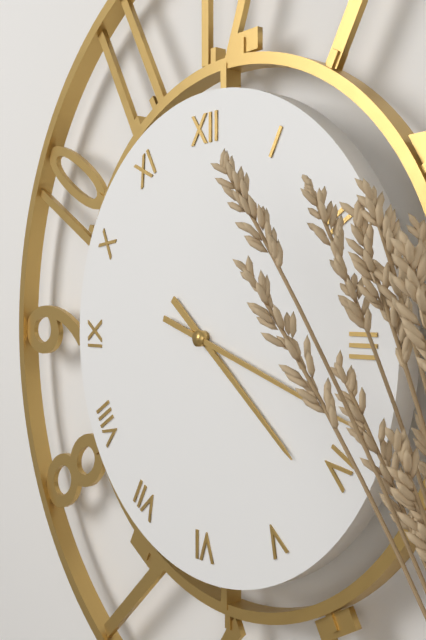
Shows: **4:18**
